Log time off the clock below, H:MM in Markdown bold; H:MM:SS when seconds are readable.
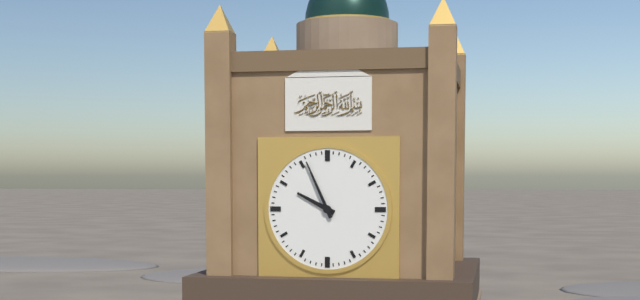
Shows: **9:56**
